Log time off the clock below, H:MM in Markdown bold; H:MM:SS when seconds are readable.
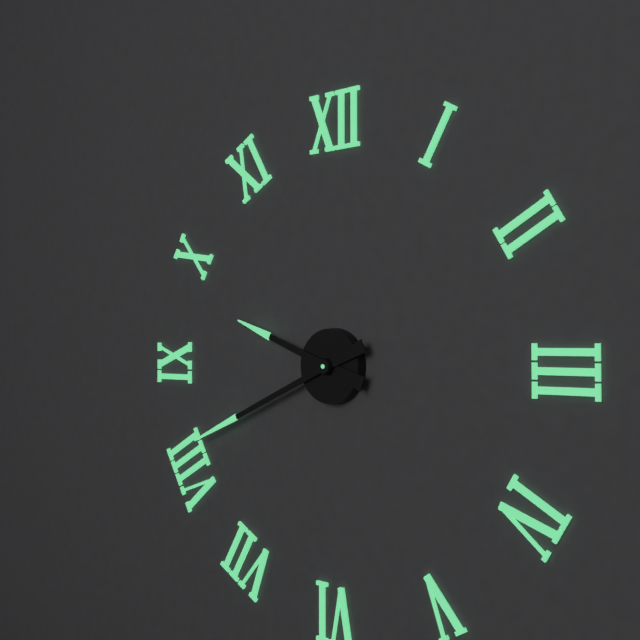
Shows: **9:41**
